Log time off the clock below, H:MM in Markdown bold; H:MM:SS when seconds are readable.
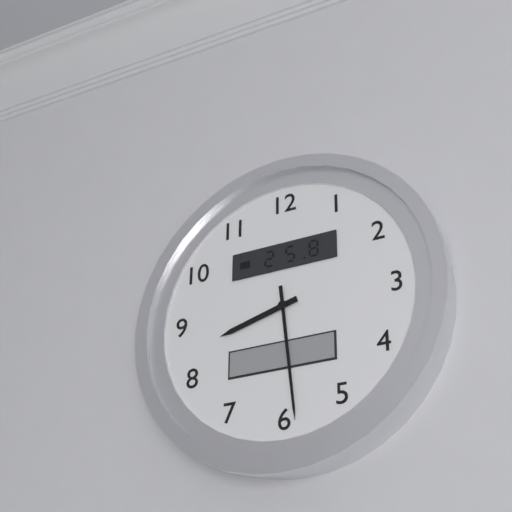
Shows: **8:29**
